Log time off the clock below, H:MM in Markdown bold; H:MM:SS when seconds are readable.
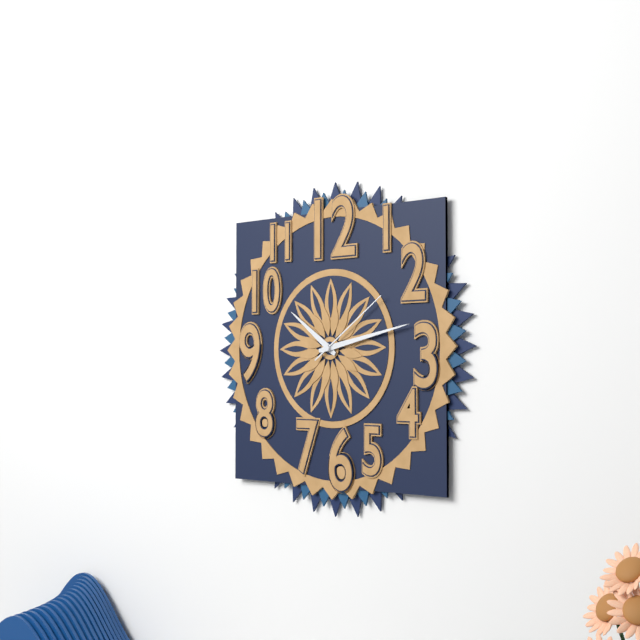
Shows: **10:13:09**
